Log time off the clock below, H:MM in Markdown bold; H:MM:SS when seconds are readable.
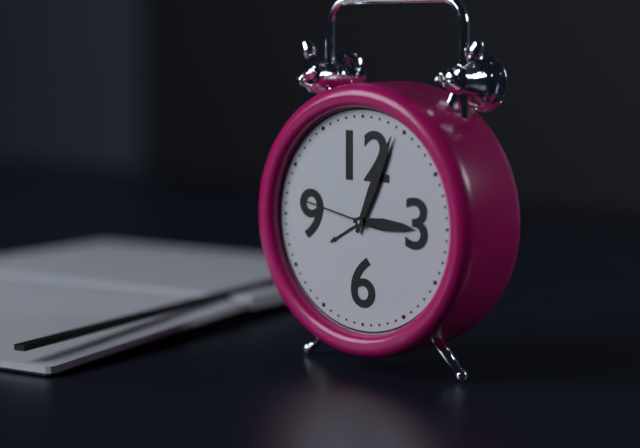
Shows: **3:04:47**
